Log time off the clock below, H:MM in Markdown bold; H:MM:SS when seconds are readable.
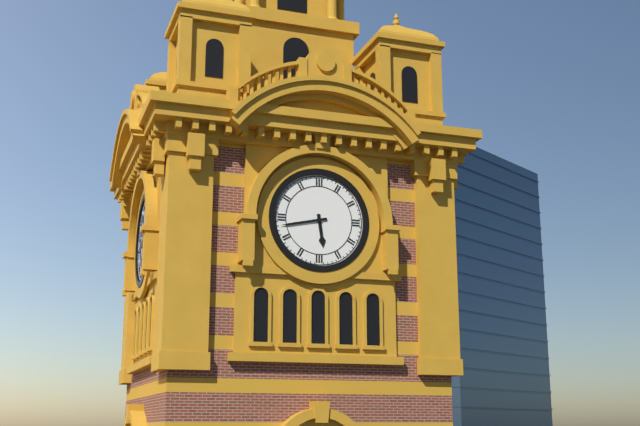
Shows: **5:43**
